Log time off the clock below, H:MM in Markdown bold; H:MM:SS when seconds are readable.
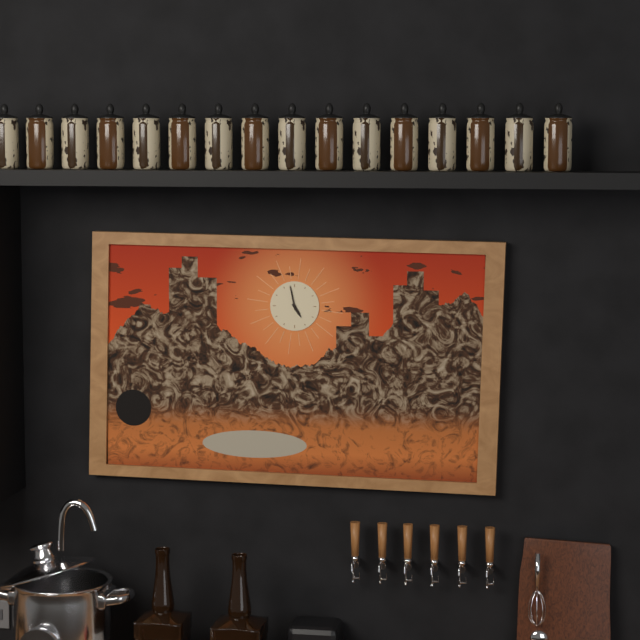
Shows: **4:58**
